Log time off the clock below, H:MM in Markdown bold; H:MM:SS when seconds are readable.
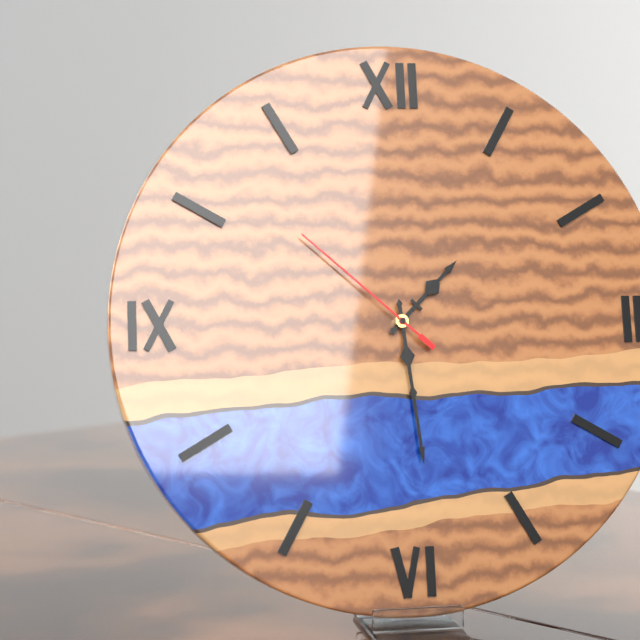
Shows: **1:29:52**
